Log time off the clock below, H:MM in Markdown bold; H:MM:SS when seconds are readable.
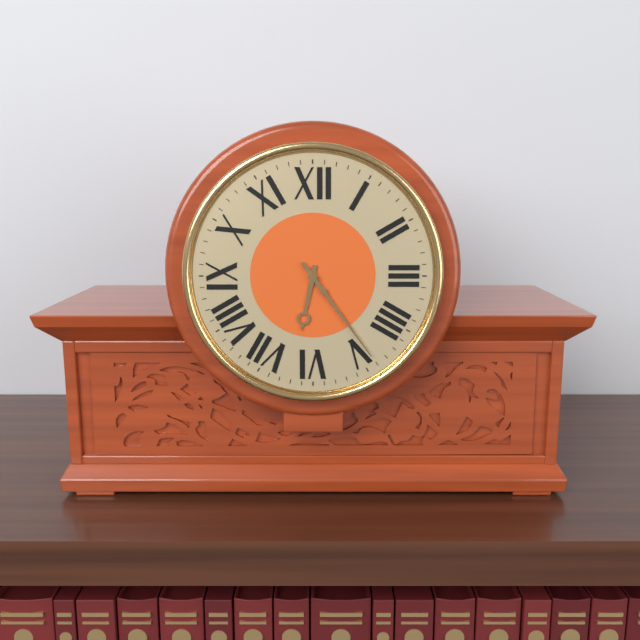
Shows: **6:24**
